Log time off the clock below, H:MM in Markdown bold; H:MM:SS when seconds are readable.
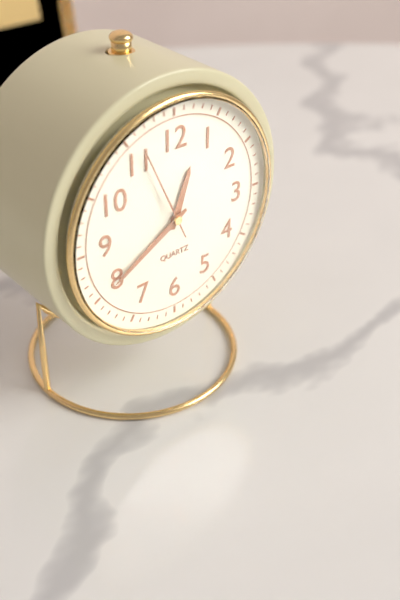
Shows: **12:40:56**
